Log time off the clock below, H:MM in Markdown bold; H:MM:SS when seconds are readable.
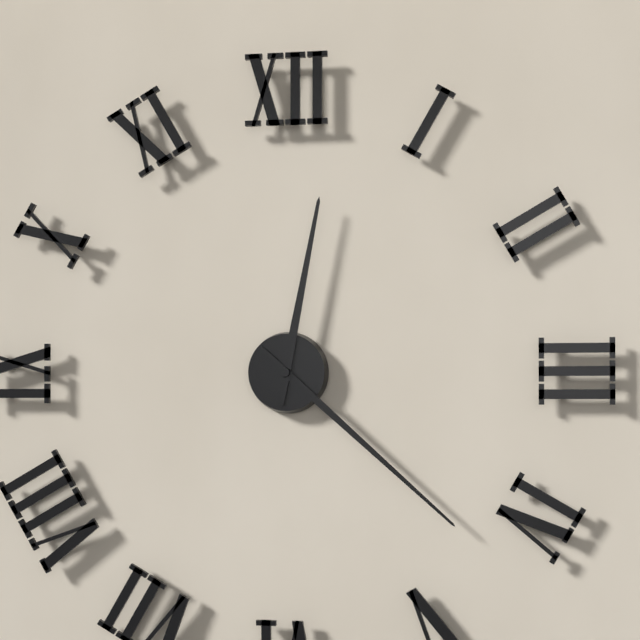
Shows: **12:22**
